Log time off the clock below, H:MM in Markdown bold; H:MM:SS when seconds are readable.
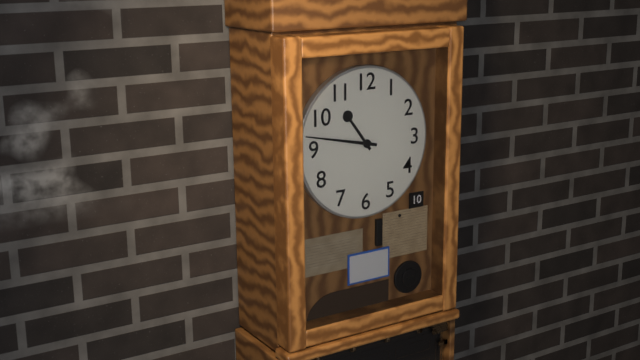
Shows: **10:47**
